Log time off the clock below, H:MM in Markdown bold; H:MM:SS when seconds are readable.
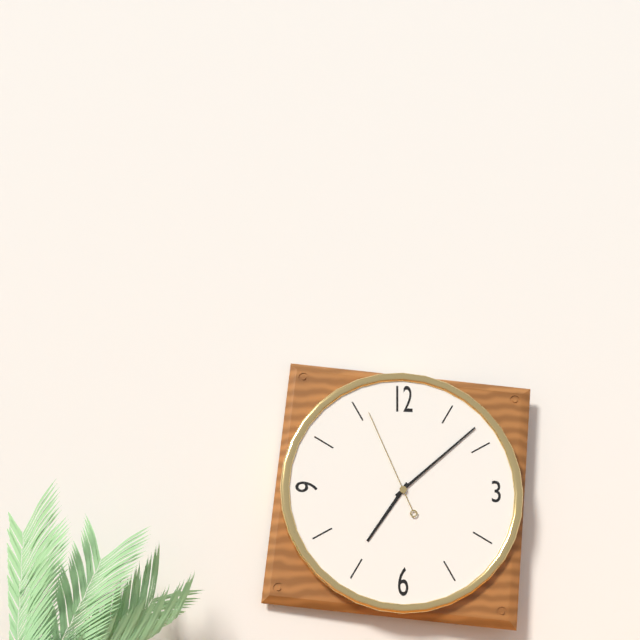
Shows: **7:08:56**
